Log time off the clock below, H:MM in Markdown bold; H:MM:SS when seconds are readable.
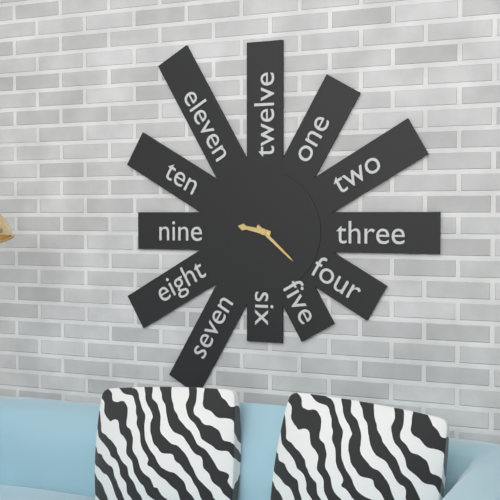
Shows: **9:22**
